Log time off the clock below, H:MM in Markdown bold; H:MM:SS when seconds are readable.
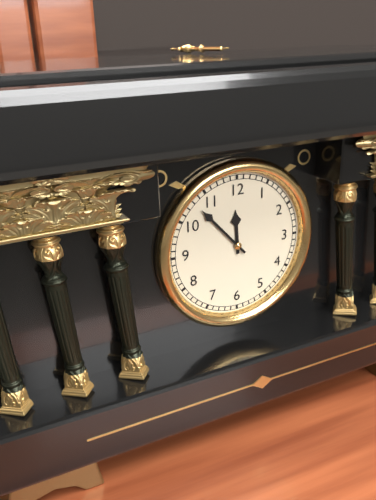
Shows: **11:53**
